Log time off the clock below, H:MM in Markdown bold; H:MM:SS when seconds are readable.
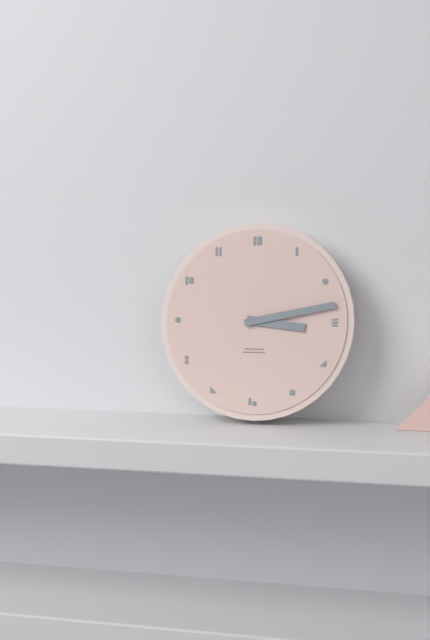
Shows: **3:13**
